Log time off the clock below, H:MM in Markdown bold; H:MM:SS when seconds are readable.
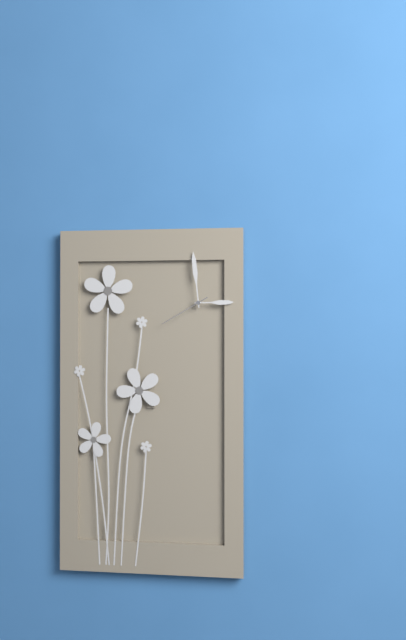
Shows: **2:59:40**
